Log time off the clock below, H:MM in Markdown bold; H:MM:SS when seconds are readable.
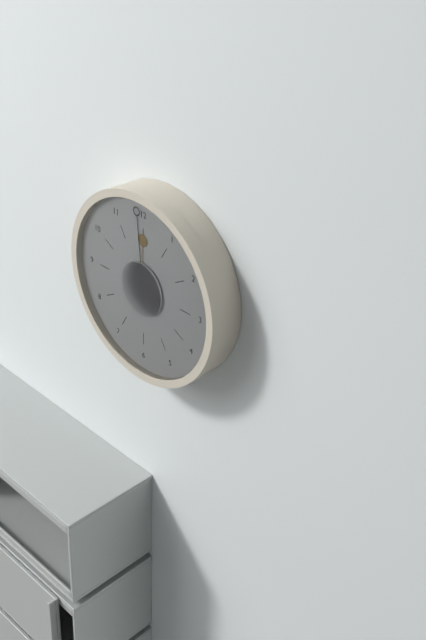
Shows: **11:59**
